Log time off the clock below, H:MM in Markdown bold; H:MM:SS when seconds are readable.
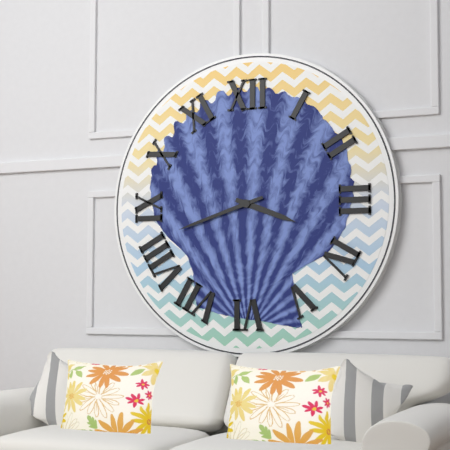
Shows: **3:42**
